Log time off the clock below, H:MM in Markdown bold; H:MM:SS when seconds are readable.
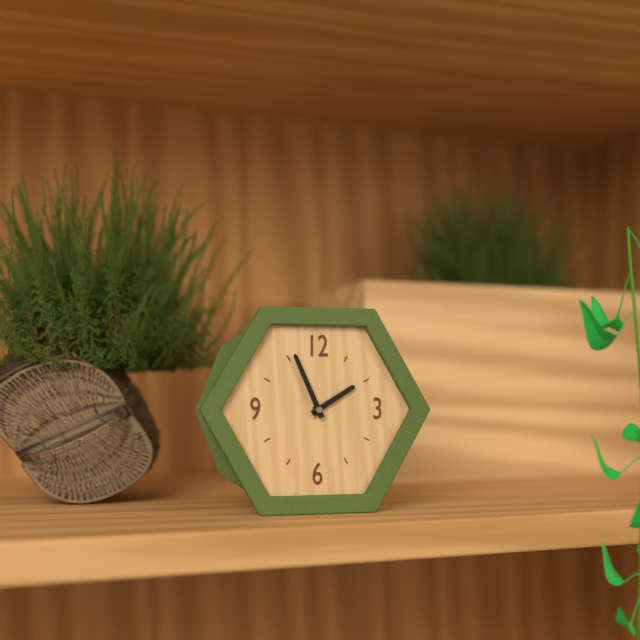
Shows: **1:56**
